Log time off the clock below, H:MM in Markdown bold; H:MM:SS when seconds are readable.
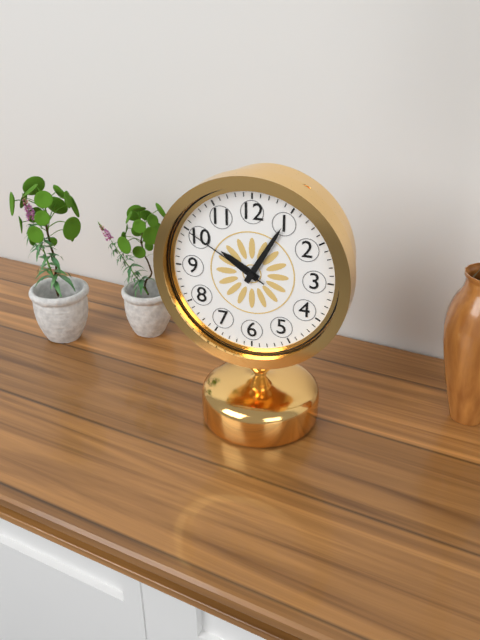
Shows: **10:05:50**
